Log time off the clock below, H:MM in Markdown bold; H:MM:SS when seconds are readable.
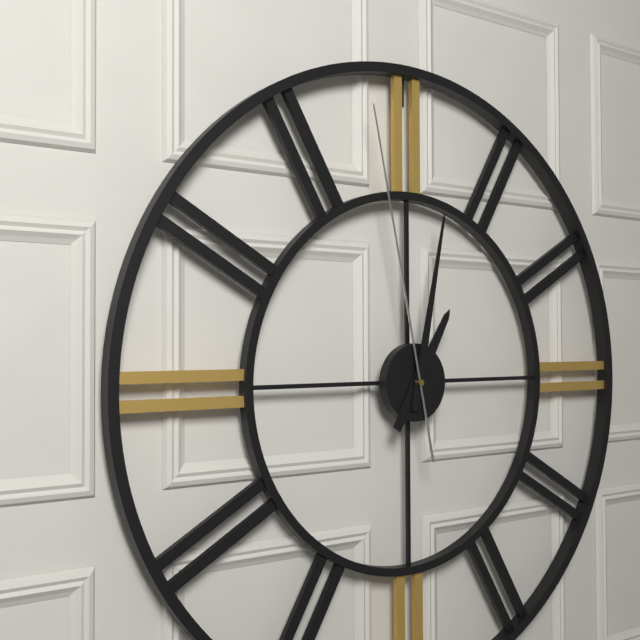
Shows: **1:02:58**
